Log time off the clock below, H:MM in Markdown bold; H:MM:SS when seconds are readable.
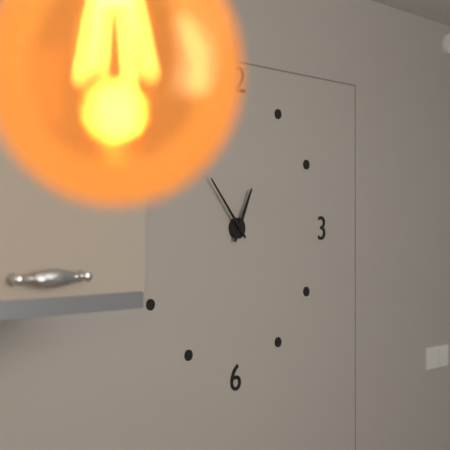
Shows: **12:53**
